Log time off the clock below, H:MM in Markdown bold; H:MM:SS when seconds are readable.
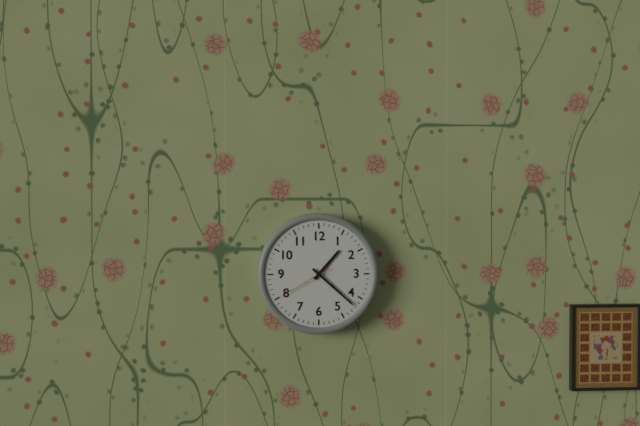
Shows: **1:22:40**
